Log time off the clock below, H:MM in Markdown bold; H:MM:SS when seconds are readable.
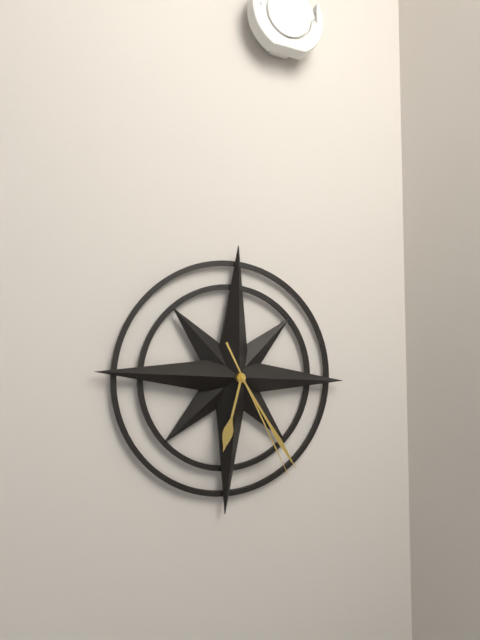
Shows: **6:24:25**
